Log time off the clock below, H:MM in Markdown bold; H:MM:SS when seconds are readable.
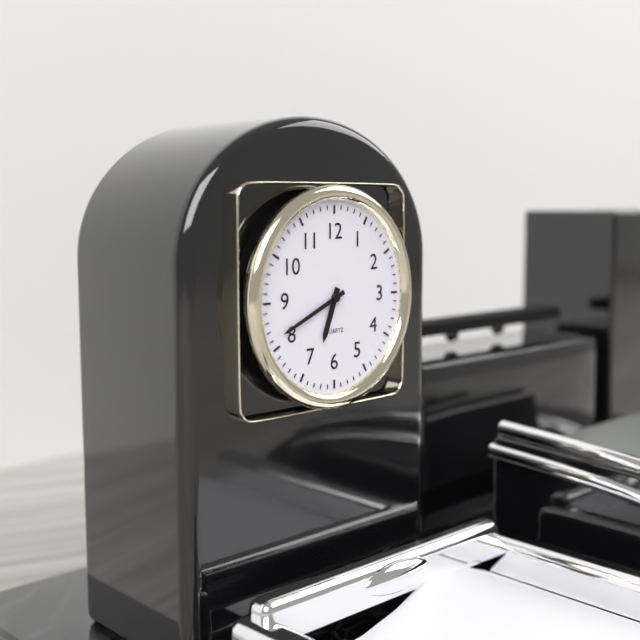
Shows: **6:41**
